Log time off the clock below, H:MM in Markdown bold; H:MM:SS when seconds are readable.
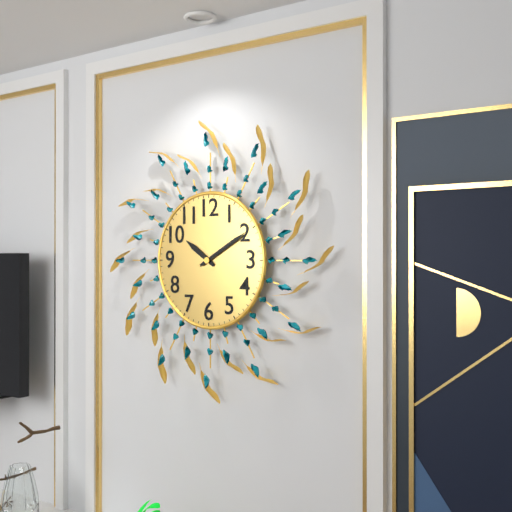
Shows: **10:10**
